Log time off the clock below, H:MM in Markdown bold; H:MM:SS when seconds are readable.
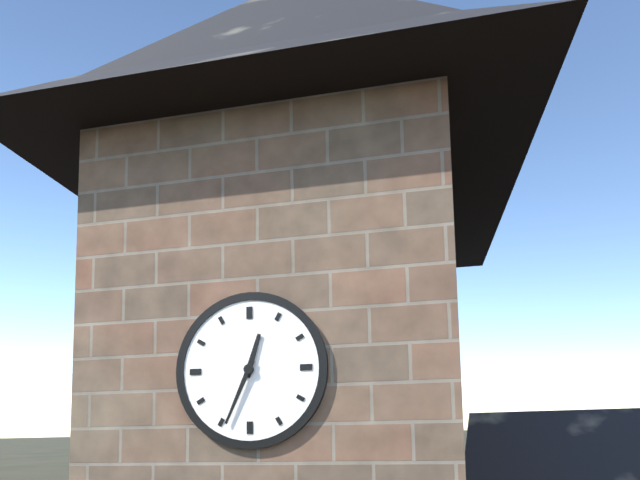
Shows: **12:34**
